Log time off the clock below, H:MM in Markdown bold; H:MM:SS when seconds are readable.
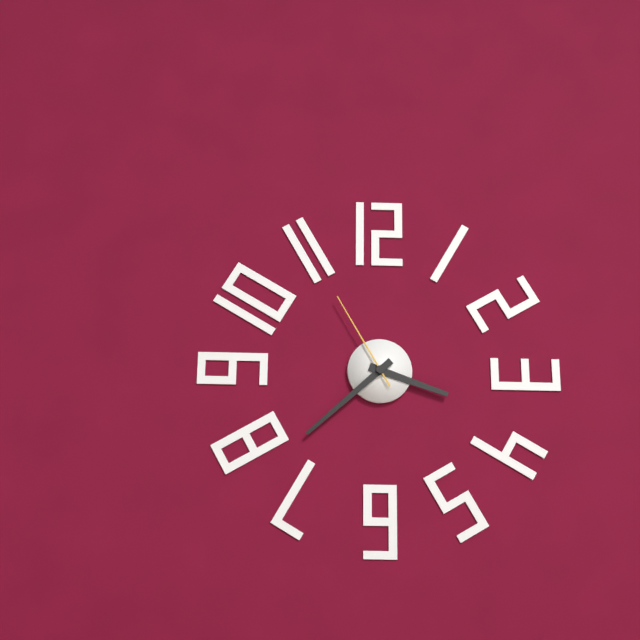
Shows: **3:38:55**
